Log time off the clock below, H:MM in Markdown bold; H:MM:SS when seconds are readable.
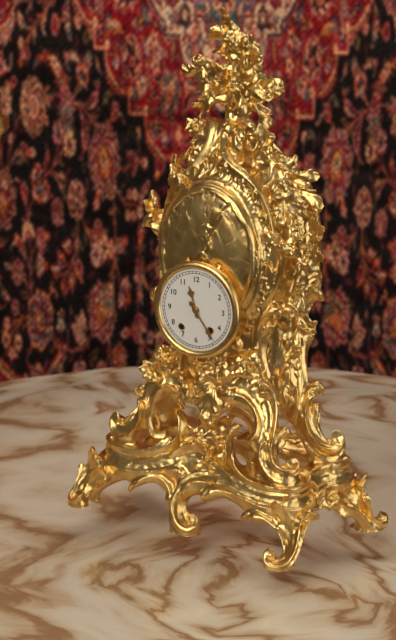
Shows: **11:24**
